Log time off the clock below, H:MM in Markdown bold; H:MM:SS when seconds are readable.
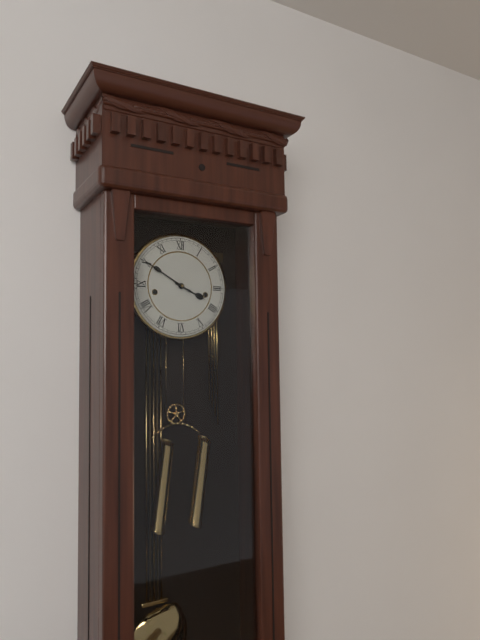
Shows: **3:50**
